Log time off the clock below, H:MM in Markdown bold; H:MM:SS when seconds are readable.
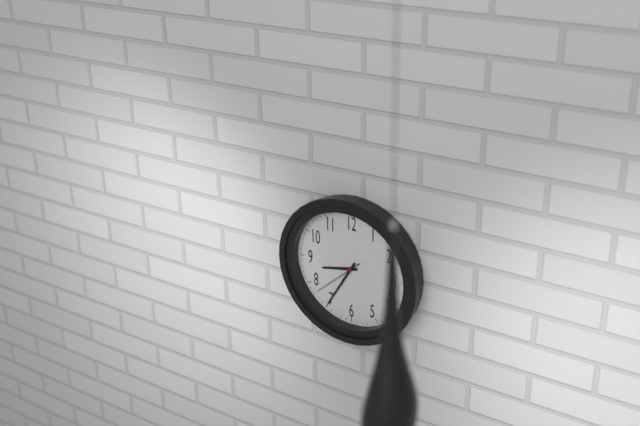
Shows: **8:35:38**
